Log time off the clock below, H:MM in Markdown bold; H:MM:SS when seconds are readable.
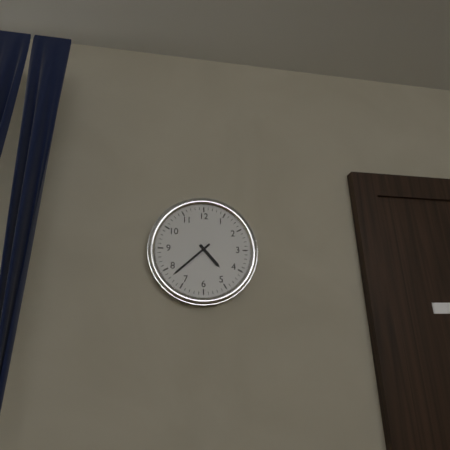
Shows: **4:38**
